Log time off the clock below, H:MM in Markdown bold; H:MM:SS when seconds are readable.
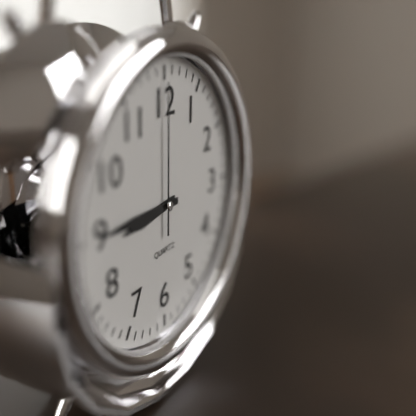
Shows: **8:45:00**
